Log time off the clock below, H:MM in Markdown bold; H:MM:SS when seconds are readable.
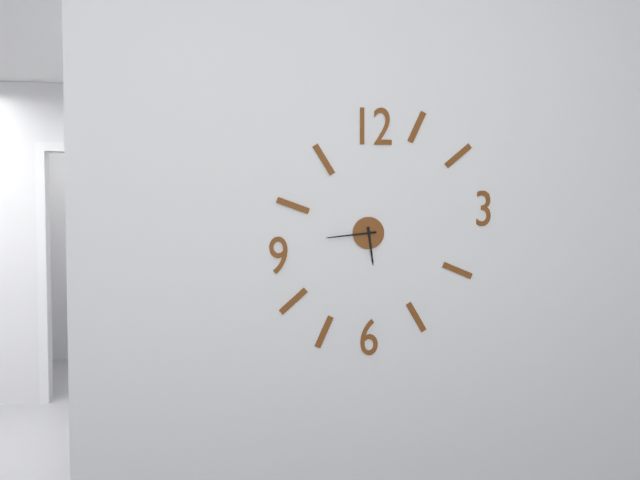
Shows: **5:44**
